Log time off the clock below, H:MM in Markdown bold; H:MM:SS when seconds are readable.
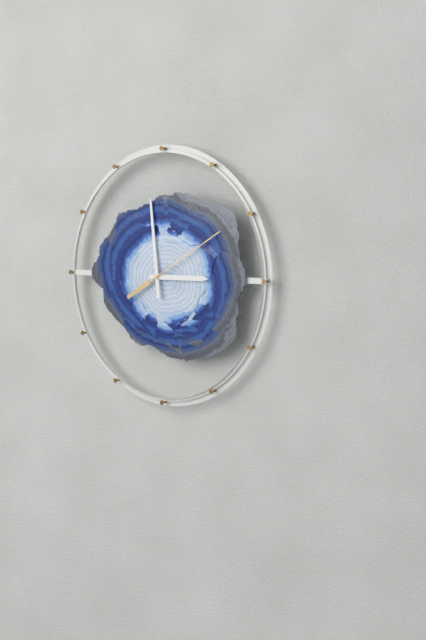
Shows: **2:59:10**
